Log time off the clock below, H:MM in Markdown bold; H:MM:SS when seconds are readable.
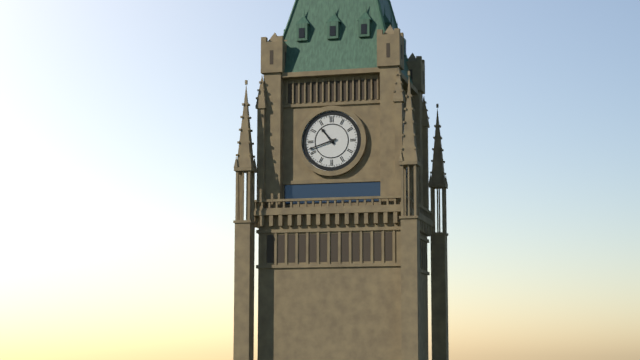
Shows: **10:42**
